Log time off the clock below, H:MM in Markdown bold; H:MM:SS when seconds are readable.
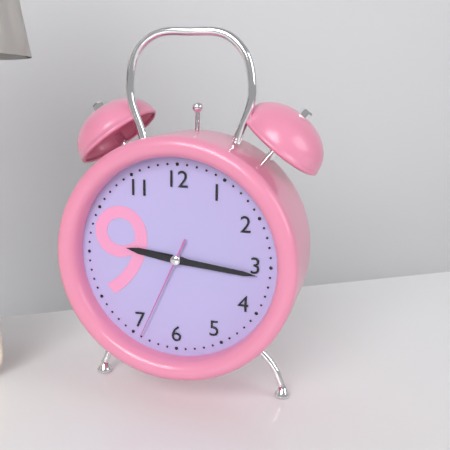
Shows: **9:16:34**
